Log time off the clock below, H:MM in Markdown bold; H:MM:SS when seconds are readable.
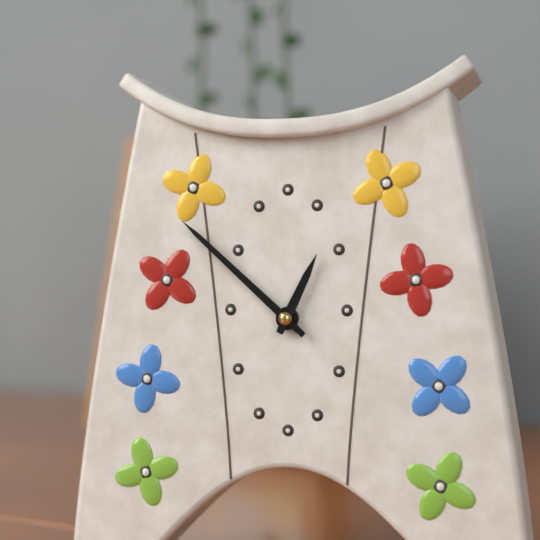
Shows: **12:52**
